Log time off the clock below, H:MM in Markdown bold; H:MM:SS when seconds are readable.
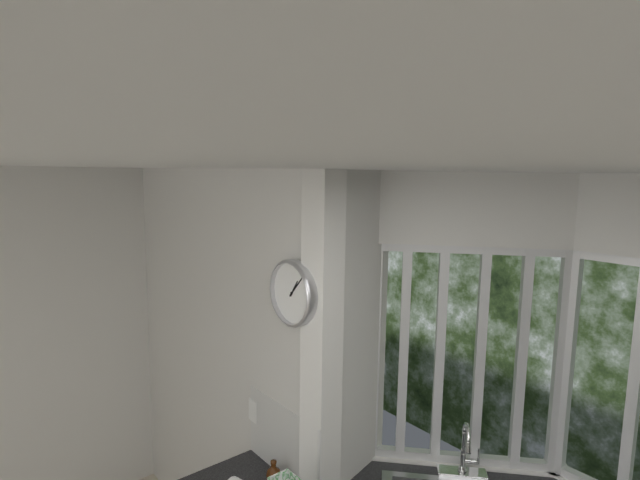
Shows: **1:07**
